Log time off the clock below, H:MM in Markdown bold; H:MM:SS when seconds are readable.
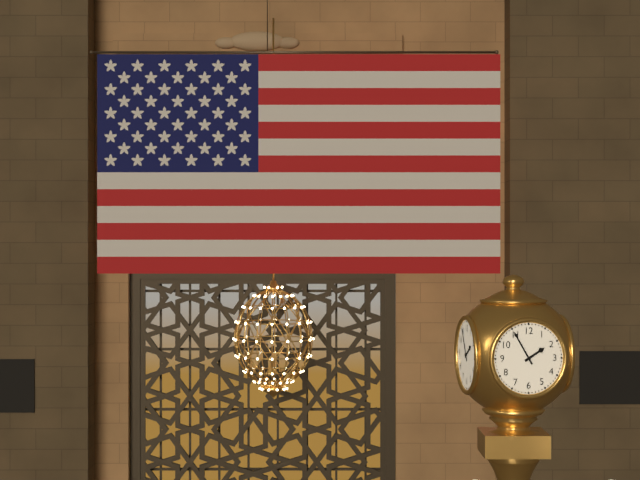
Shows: **1:55**
